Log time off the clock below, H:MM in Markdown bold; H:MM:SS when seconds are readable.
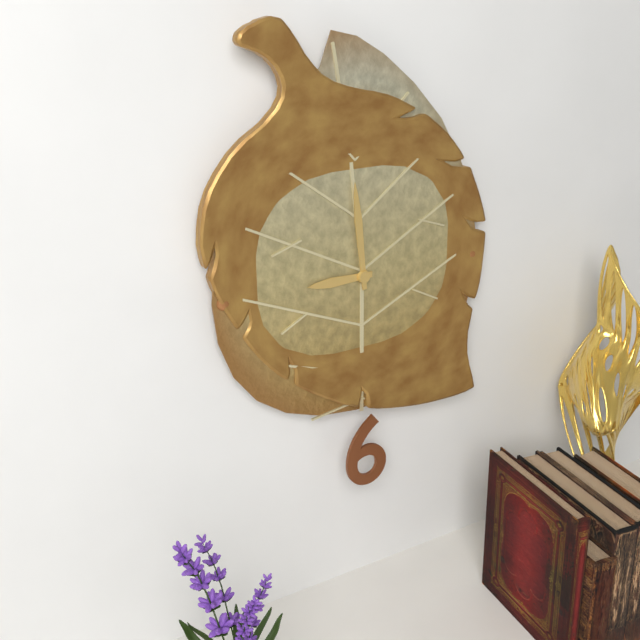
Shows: **8:59**
